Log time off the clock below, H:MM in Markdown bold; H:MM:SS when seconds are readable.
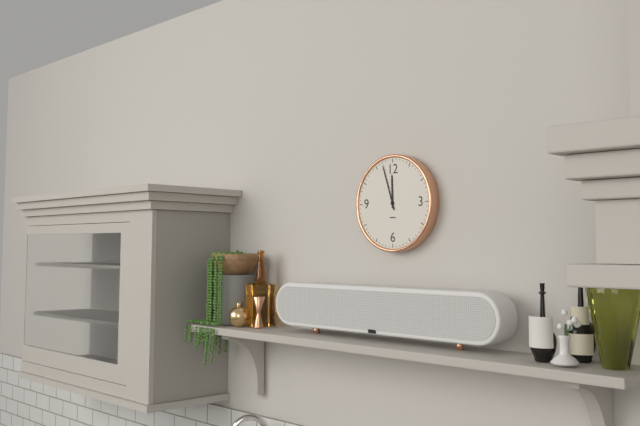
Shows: **11:57**
